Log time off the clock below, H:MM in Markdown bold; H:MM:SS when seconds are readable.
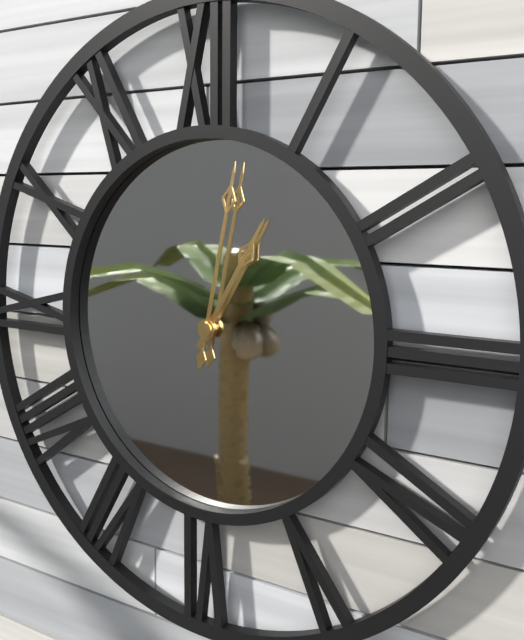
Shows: **1:02**
